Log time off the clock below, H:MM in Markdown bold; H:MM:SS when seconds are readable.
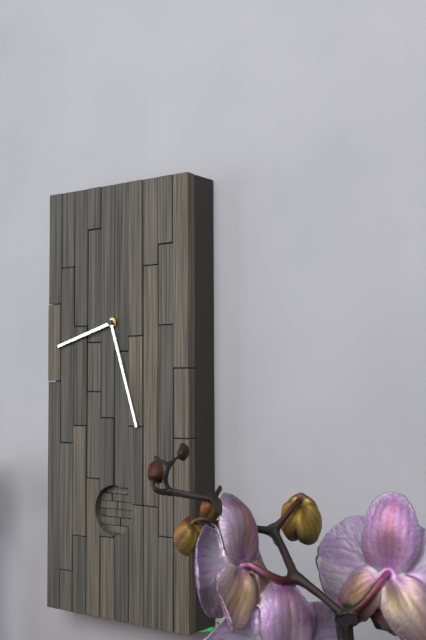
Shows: **8:27**
